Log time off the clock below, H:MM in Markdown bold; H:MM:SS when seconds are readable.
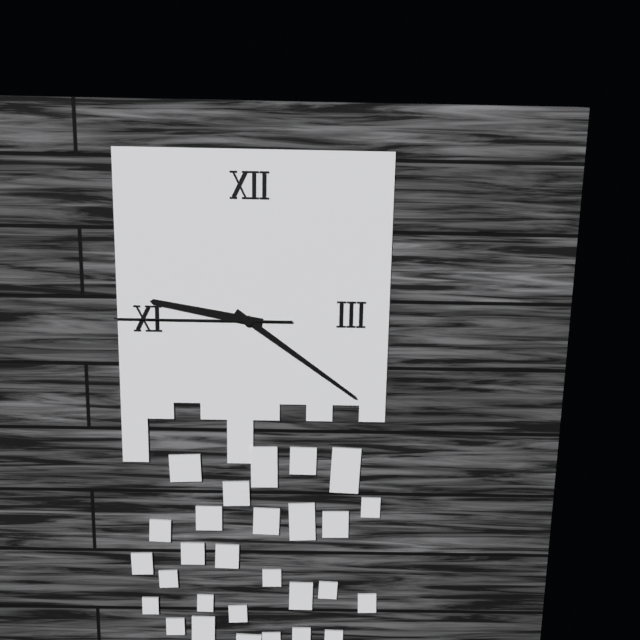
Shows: **9:21:45**
